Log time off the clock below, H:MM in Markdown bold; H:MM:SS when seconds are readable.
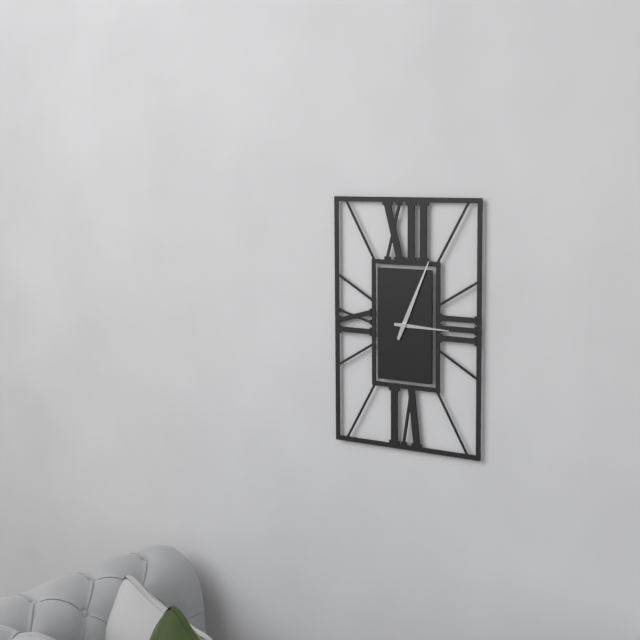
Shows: **3:04**
